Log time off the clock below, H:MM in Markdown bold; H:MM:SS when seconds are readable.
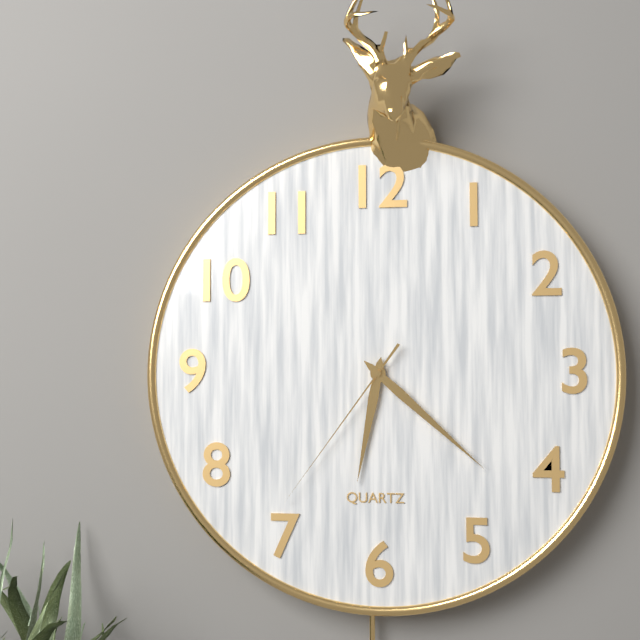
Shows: **6:22:36**
